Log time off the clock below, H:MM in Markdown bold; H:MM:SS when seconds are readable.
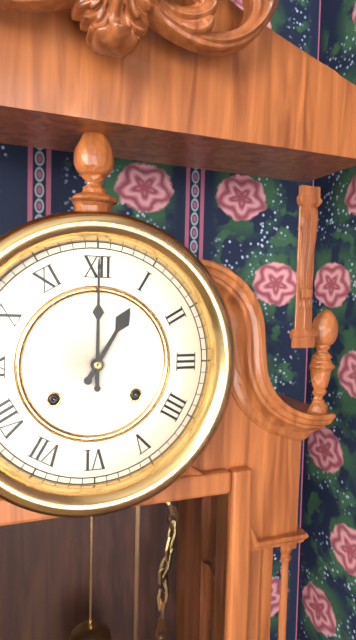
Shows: **1:00**
